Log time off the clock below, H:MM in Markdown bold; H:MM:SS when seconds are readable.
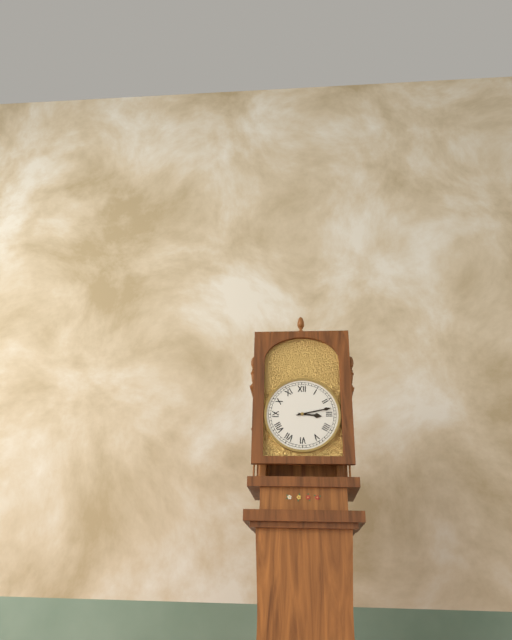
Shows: **3:13**
